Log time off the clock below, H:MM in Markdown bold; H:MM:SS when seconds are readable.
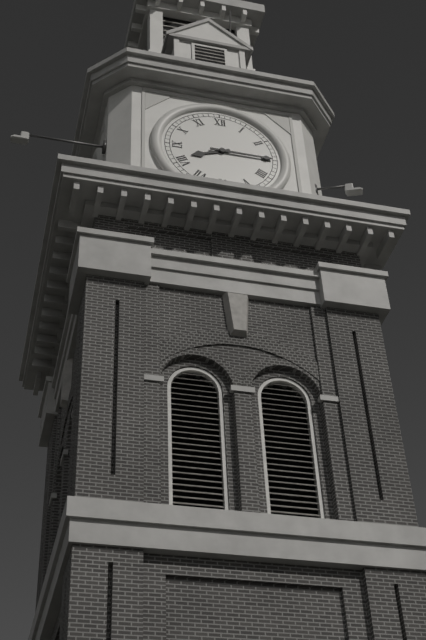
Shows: **8:15**
